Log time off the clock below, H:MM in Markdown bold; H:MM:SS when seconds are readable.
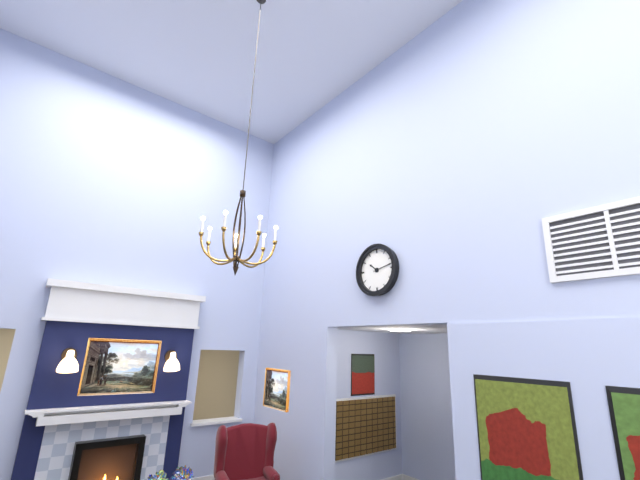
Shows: **10:13**
